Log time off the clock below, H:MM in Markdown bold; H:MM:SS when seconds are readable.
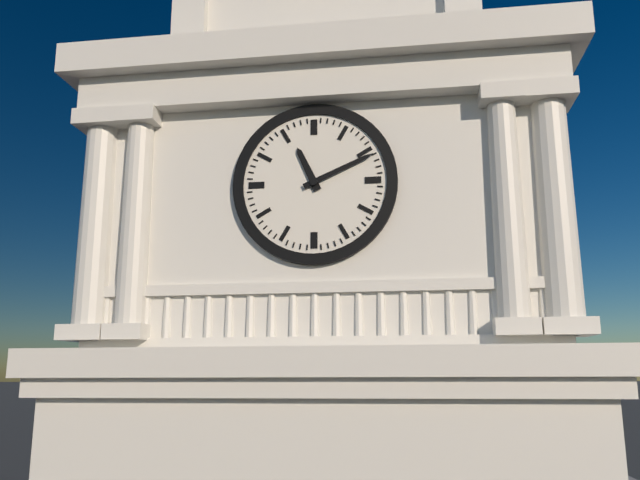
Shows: **11:11**
